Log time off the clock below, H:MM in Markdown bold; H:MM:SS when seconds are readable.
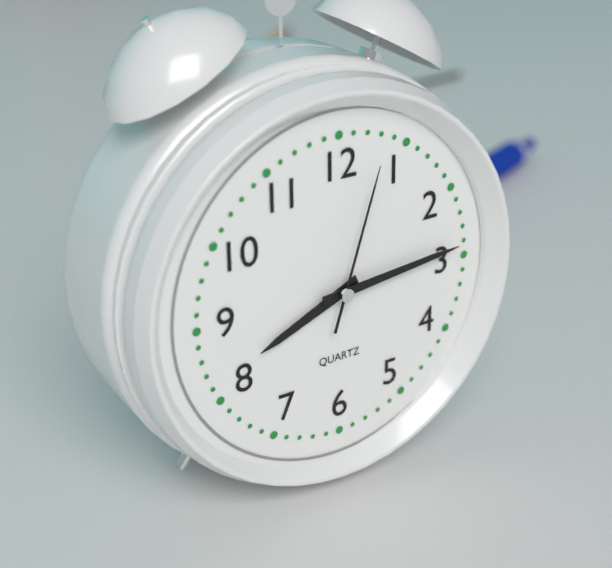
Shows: **8:14:03**
